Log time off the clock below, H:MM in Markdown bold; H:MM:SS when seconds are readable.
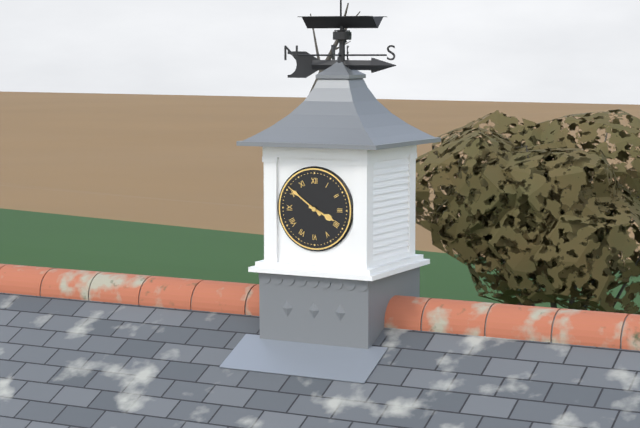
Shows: **3:51**
